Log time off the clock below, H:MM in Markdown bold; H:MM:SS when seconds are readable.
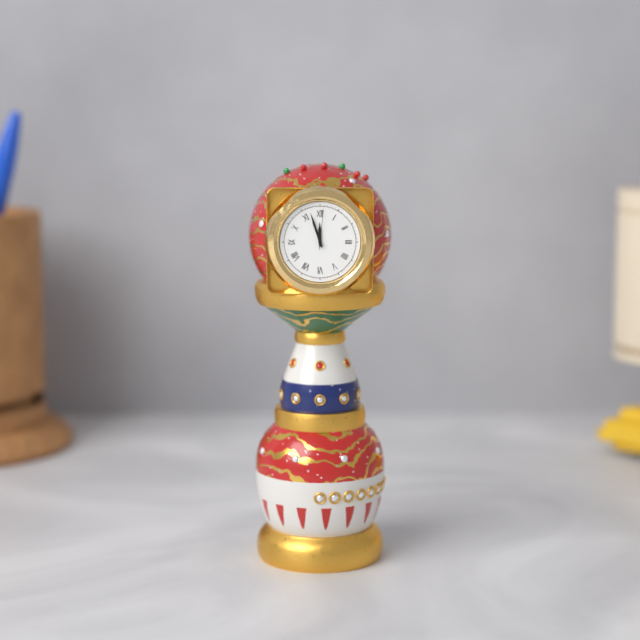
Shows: **11:57**
